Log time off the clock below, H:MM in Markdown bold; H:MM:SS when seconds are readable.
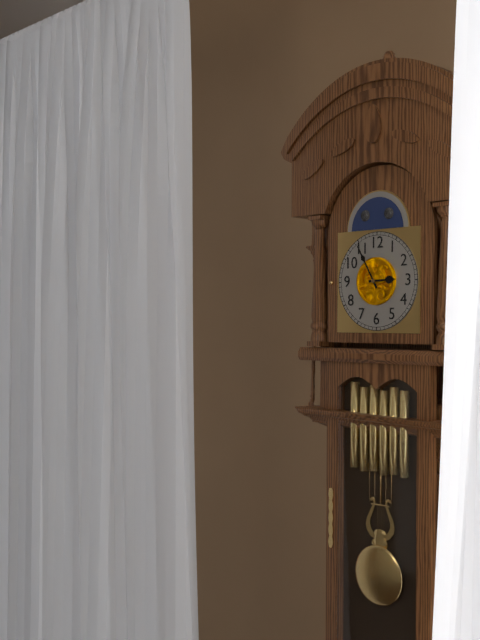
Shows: **2:55**
